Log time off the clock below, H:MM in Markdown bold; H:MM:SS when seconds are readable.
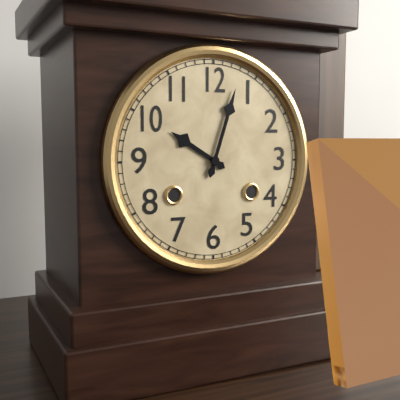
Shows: **10:03**
